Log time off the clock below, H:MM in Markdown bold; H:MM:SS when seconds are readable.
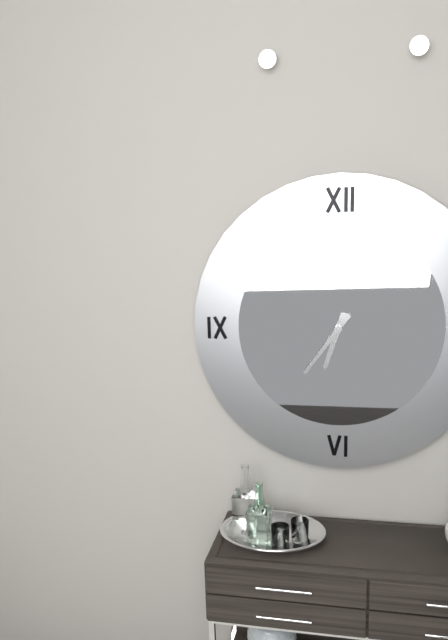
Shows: **6:36**
